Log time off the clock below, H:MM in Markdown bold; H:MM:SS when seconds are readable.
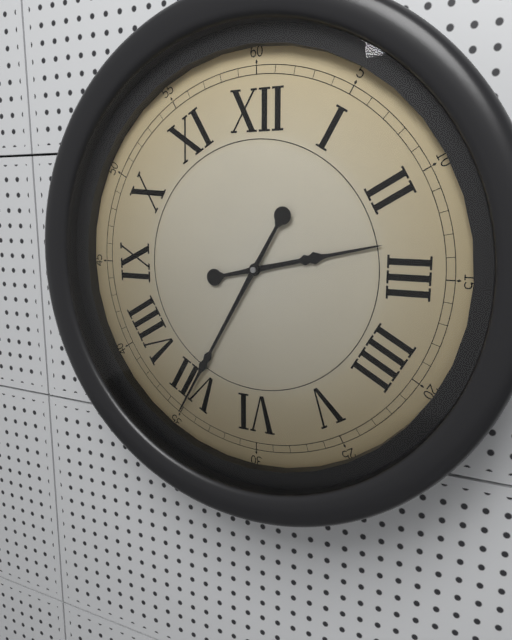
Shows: **2:35**
